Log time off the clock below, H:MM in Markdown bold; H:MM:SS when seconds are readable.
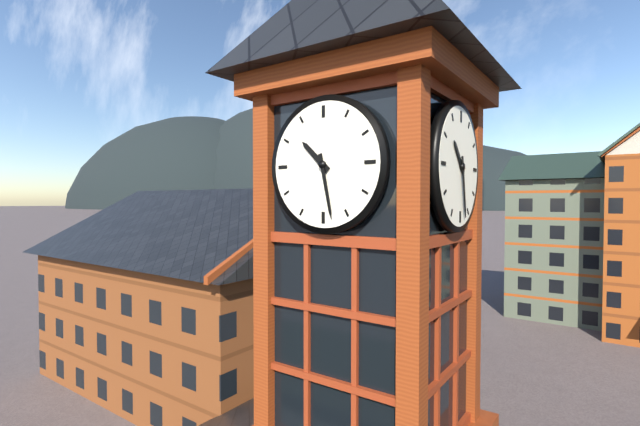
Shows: **10:28**
